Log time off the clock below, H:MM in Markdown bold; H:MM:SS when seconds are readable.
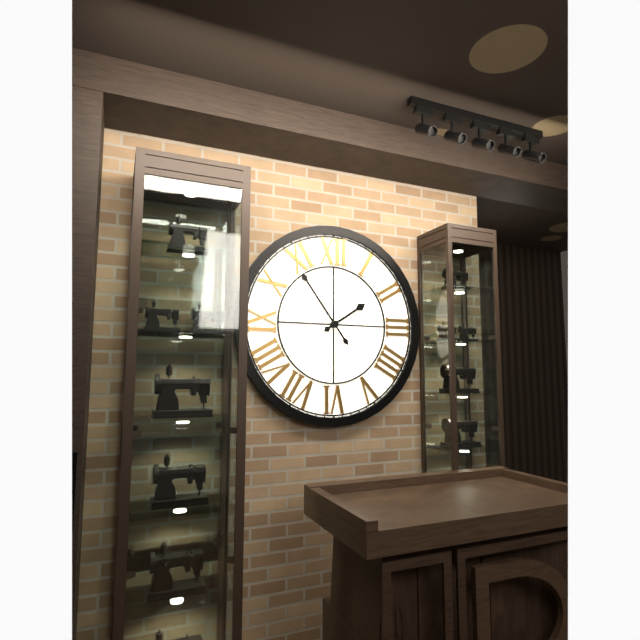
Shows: **1:54**
